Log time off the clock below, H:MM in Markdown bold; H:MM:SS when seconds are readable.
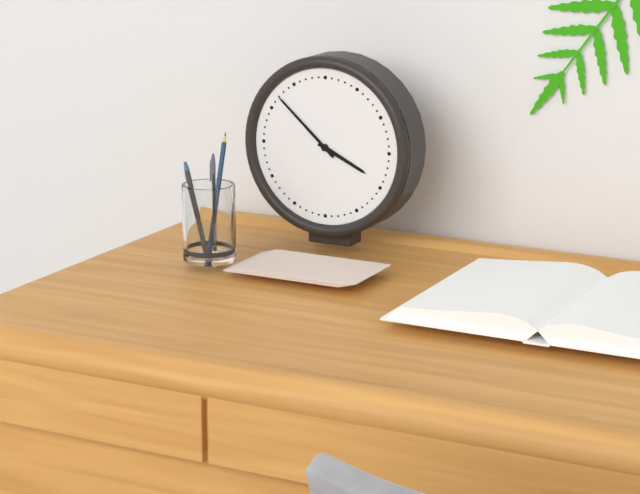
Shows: **3:52**
